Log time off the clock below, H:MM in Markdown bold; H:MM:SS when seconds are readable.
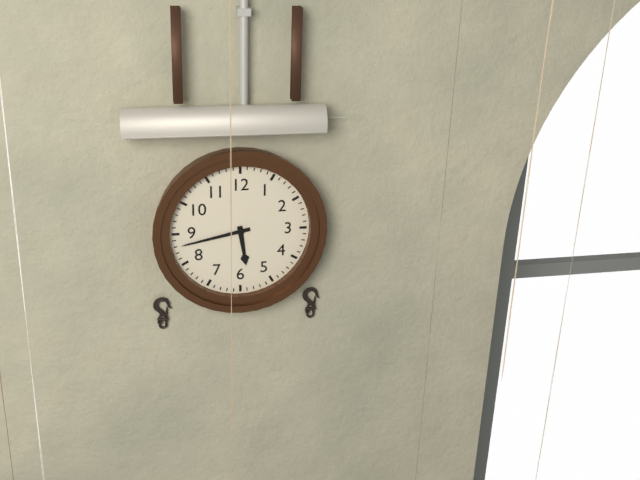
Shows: **5:43**
